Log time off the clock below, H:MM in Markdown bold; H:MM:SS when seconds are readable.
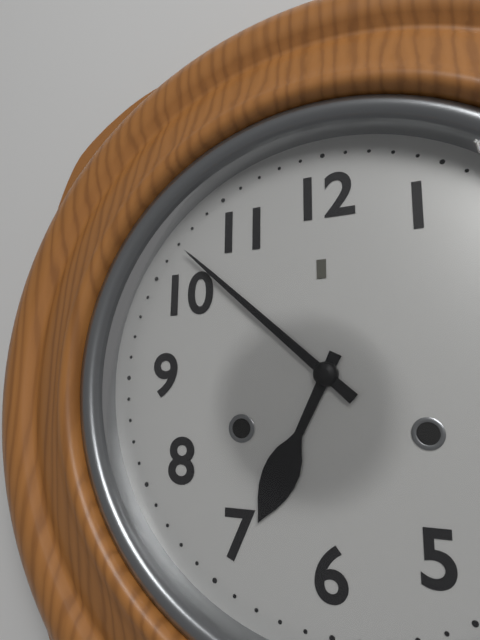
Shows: **6:52**
